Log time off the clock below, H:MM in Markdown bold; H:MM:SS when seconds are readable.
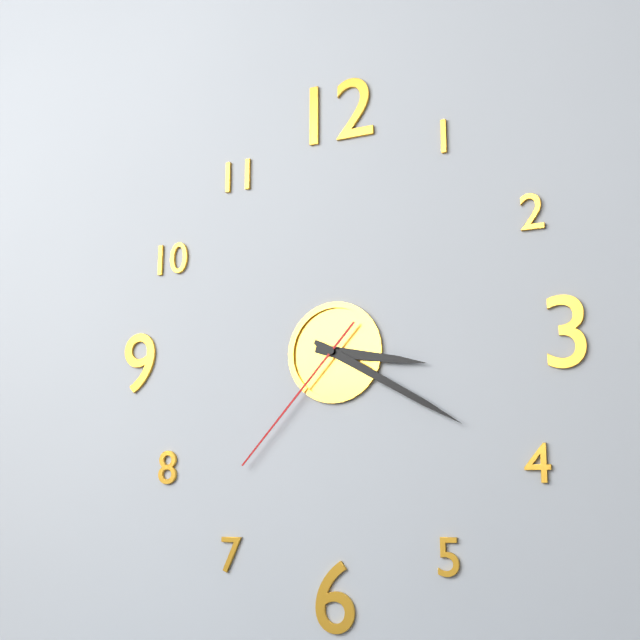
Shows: **3:20:37**
